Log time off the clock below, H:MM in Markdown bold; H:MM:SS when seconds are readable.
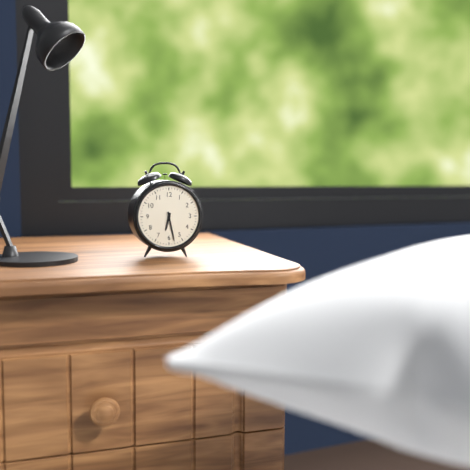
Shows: **6:28**
